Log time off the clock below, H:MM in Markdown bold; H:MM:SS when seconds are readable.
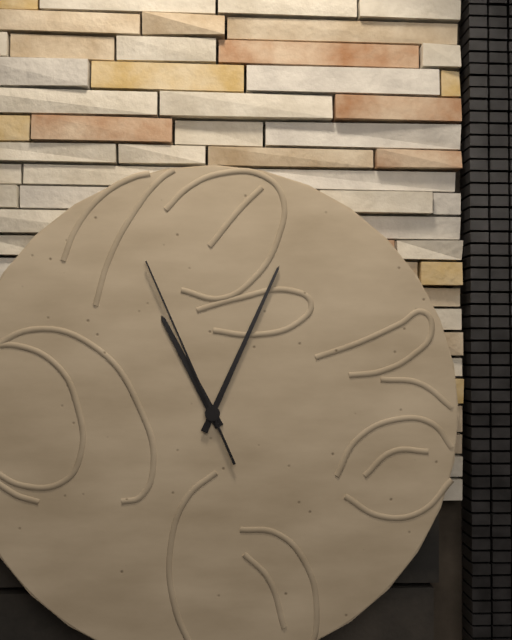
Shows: **11:04:56**
